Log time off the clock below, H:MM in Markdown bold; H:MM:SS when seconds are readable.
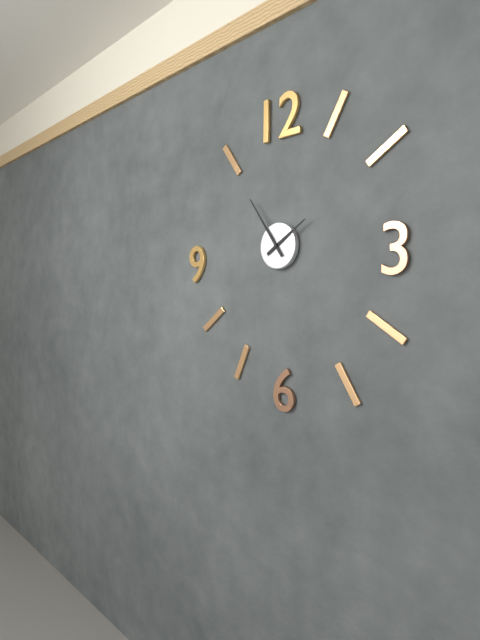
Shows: **1:54**
